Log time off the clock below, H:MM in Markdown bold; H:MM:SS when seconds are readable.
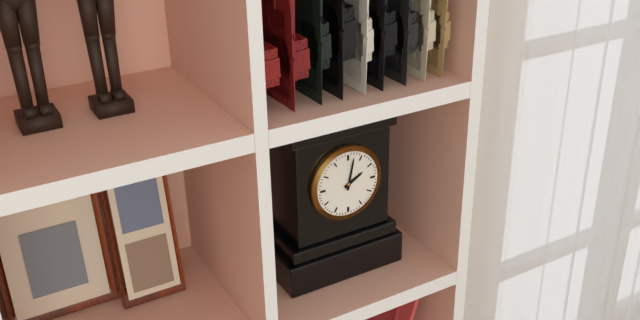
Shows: **2:02**
